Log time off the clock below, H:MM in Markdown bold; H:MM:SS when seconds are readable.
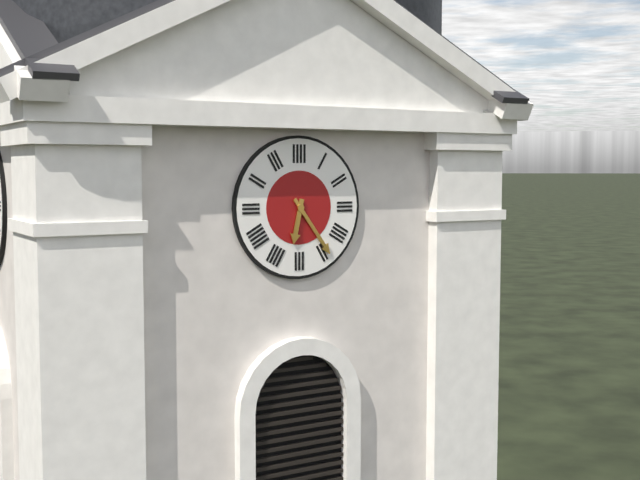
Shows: **6:24**
